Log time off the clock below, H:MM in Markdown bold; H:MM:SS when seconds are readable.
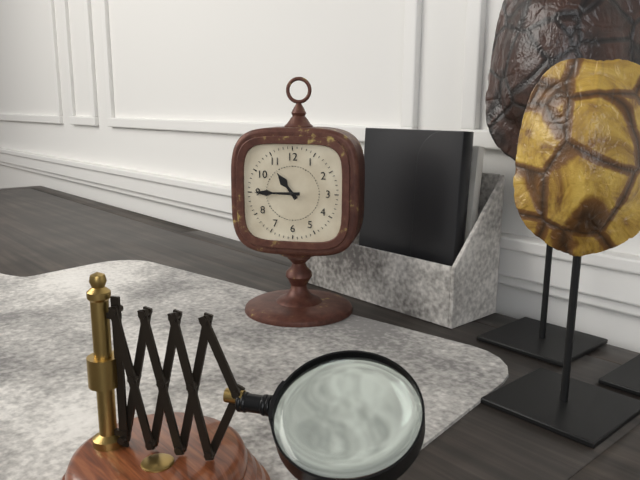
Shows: **10:45**
